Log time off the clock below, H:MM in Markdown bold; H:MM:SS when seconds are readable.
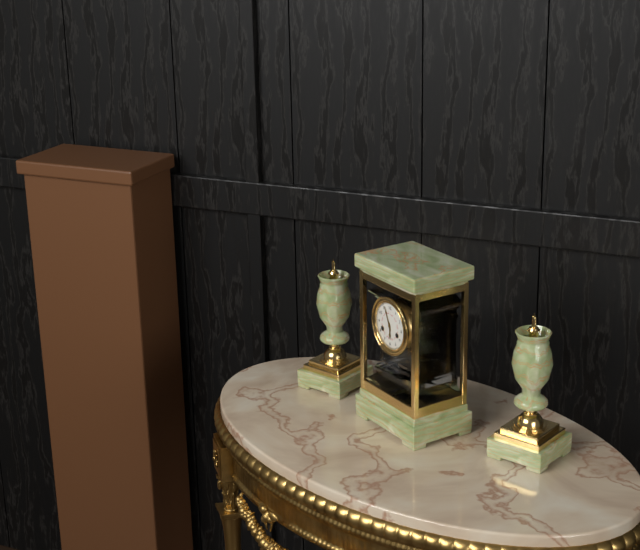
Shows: **5:56**
